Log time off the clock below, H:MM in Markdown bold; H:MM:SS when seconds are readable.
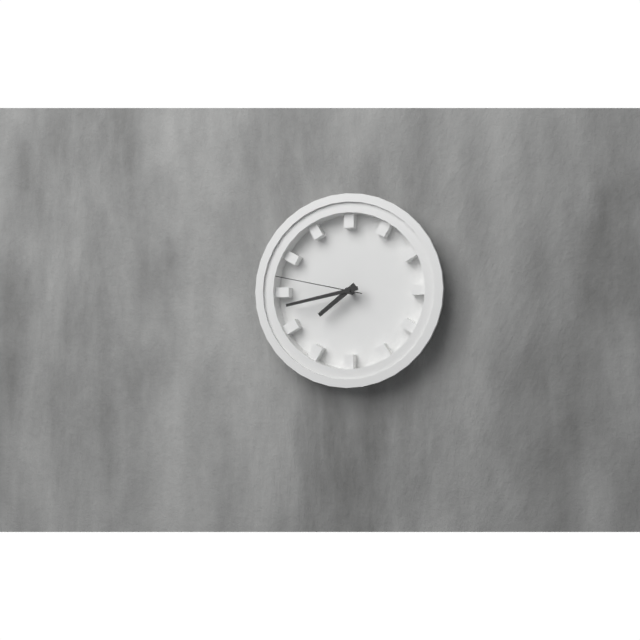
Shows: **7:43:47**
